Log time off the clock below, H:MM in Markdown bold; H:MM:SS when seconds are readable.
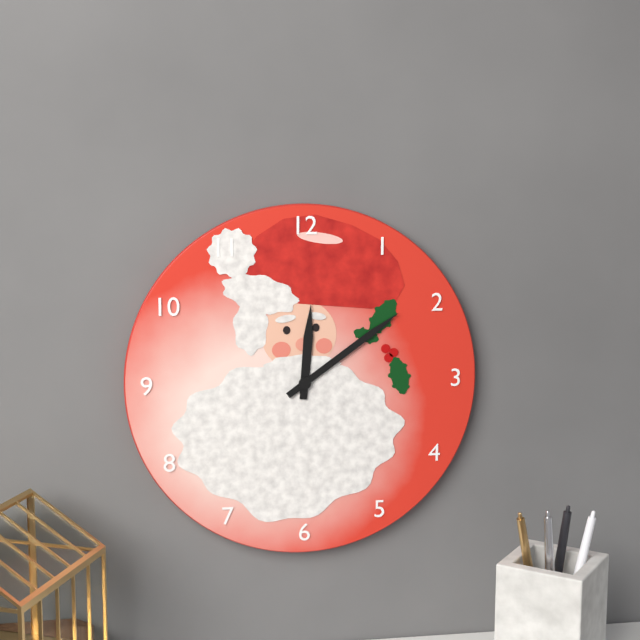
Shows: **12:09**
